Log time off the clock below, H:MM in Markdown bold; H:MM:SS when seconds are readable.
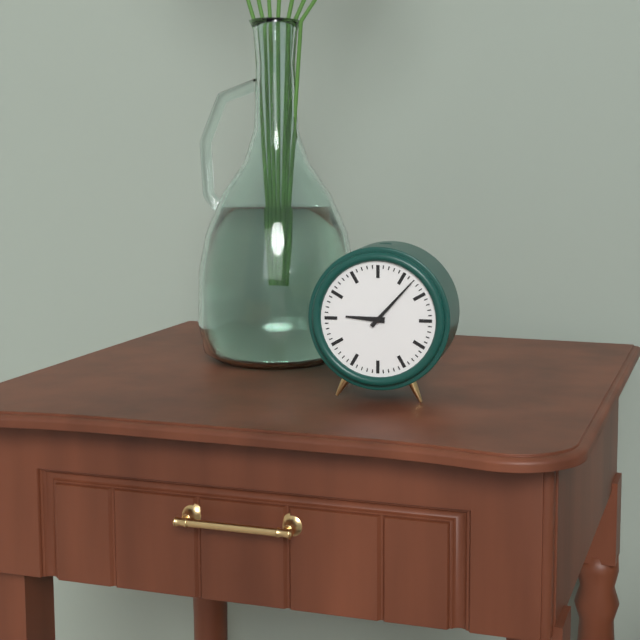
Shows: **9:07**
